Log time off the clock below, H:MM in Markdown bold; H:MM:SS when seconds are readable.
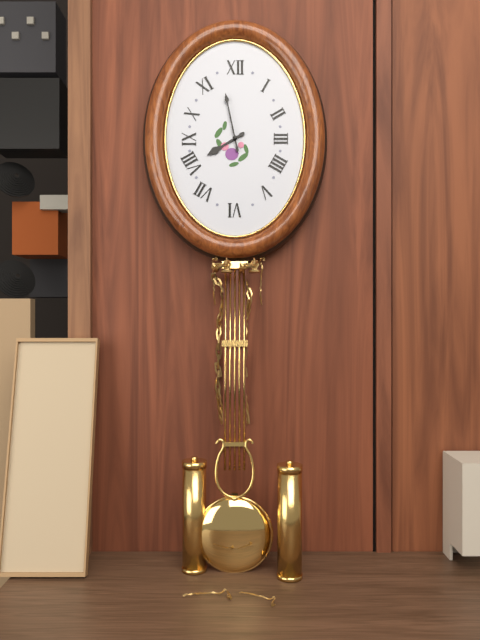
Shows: **7:58**
